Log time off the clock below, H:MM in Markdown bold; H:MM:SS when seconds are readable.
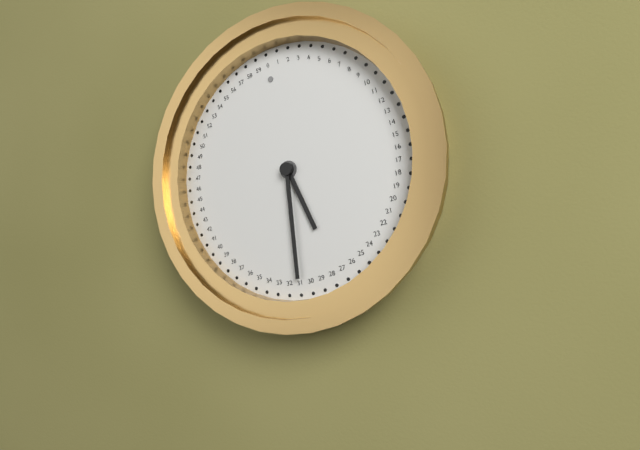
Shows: **5:31**
